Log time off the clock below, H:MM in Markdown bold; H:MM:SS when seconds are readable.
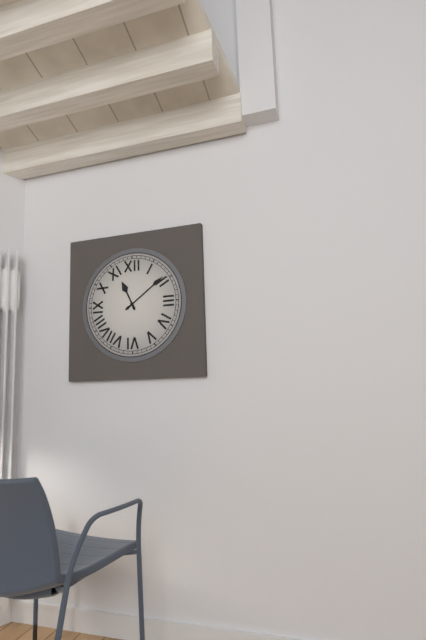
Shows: **11:09**
